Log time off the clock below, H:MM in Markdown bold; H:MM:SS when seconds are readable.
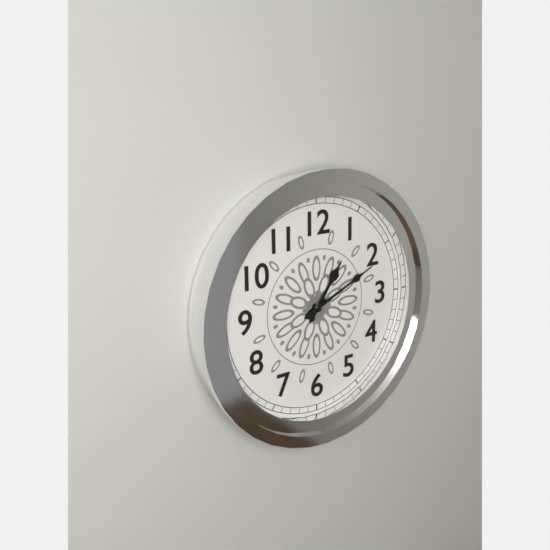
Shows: **1:11**
